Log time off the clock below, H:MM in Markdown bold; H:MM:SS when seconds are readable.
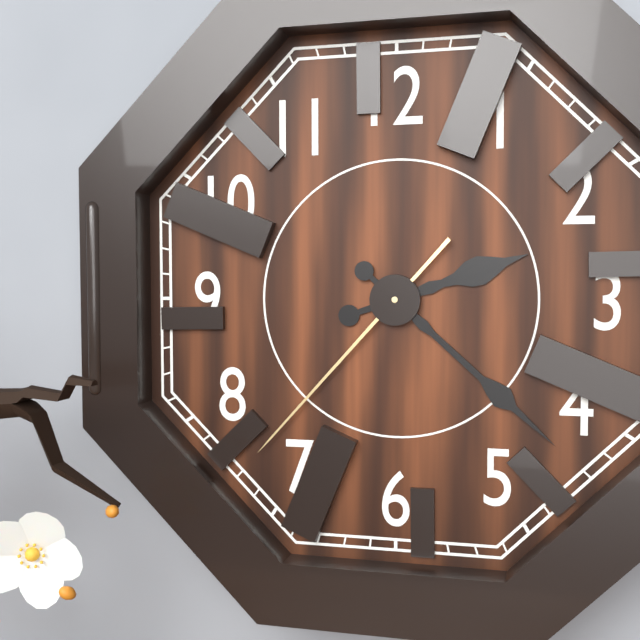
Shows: **2:22:37**
